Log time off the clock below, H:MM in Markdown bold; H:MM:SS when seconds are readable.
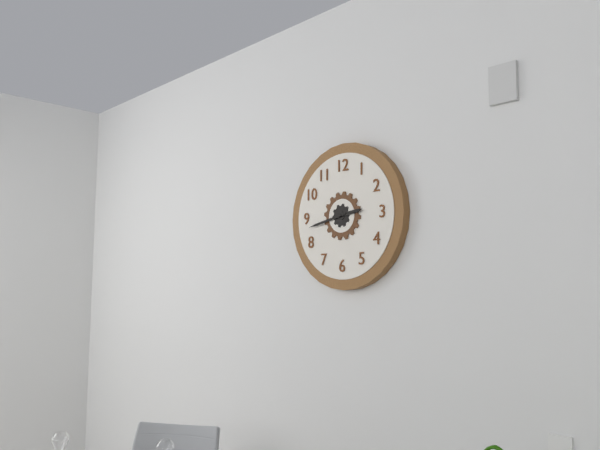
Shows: **2:43**
